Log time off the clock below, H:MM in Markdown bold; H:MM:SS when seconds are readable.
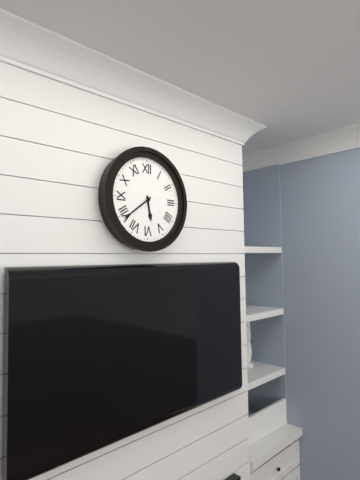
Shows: **5:39**
